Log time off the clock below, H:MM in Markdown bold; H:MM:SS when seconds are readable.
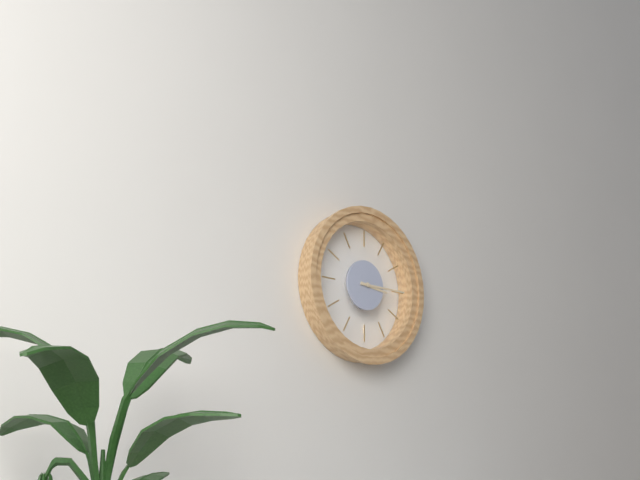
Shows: **3:15**
